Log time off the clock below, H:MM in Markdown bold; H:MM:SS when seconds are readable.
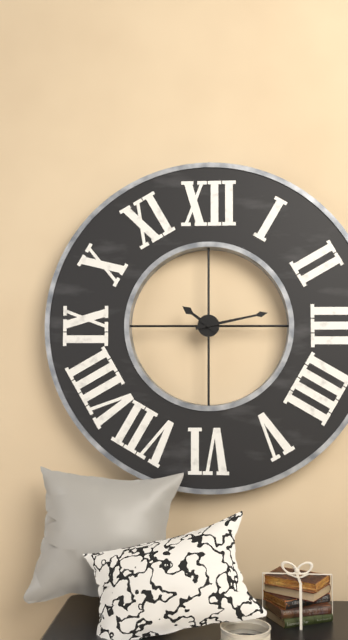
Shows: **10:13**
